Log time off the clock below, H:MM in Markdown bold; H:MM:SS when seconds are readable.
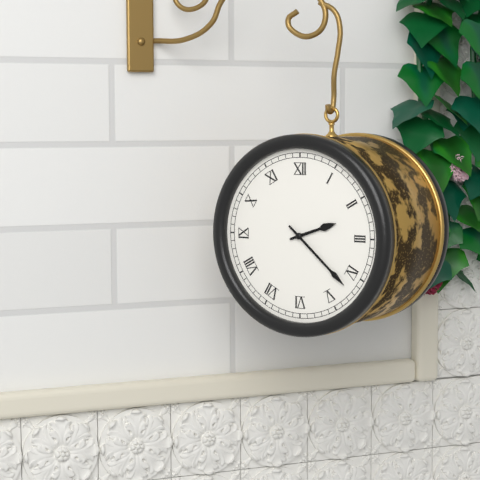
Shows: **2:22**
